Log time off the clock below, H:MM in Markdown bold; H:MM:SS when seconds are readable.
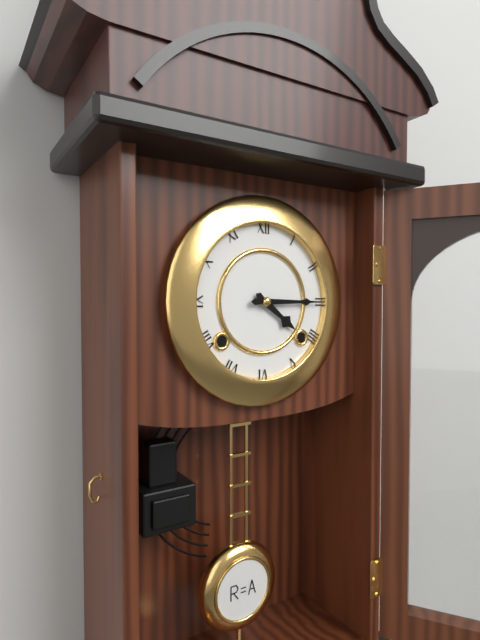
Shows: **4:15**
